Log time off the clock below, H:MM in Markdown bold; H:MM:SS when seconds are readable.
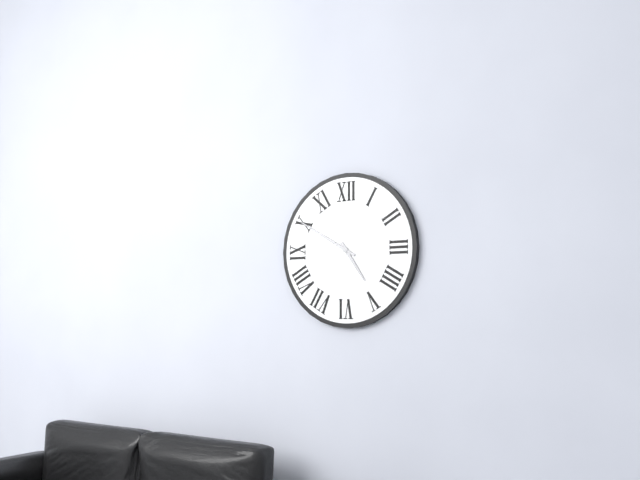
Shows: **4:50**
